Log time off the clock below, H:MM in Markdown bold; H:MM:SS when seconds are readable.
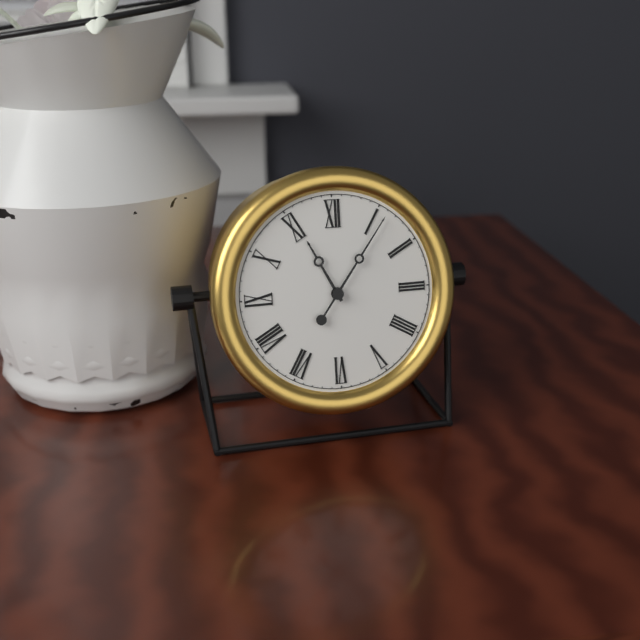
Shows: **11:06**
